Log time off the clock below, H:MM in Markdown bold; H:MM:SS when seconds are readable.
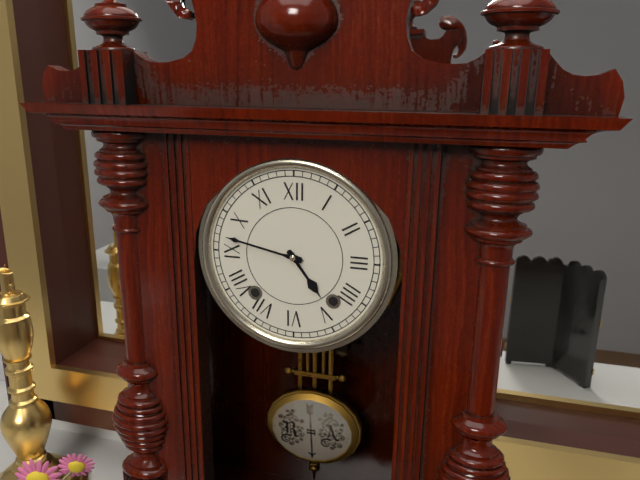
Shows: **4:47**
